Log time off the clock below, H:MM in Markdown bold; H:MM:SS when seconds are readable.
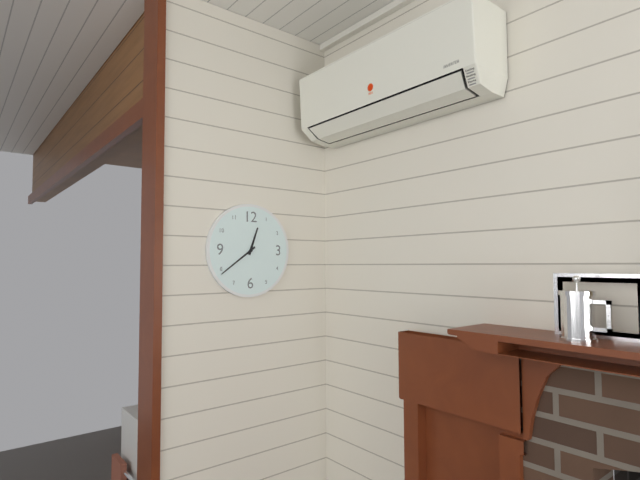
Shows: **12:39**
